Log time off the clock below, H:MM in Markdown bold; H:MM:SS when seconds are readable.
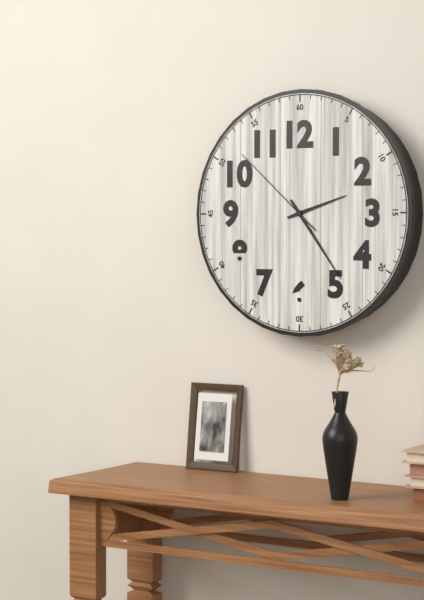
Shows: **2:24:52**
